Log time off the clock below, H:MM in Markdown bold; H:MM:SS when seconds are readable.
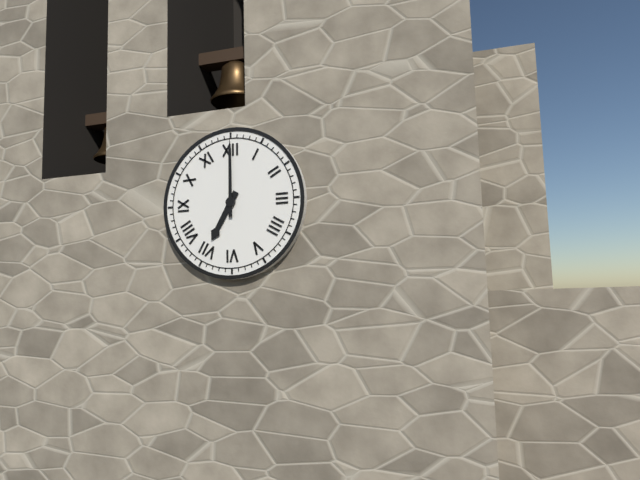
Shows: **7:00**
